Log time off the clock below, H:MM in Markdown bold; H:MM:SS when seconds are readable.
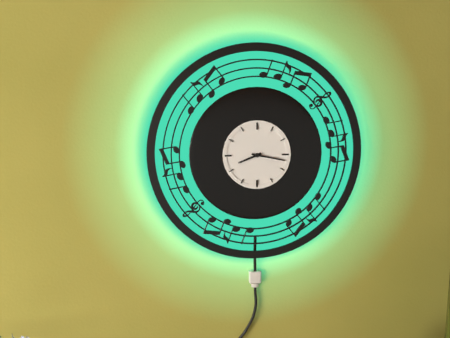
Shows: **8:17**
